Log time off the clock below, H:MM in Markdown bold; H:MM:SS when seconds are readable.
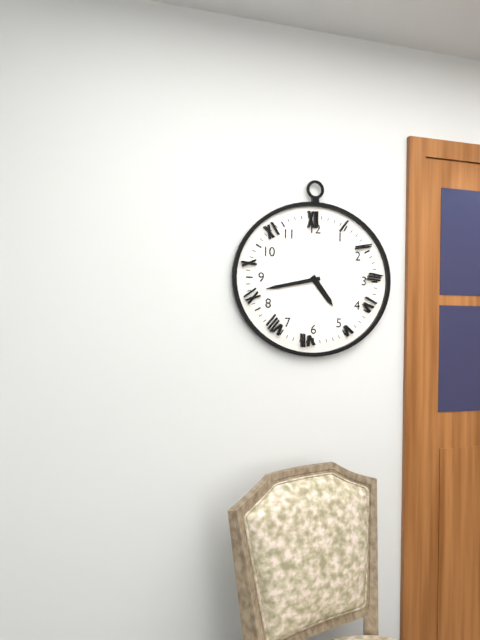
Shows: **4:43**
